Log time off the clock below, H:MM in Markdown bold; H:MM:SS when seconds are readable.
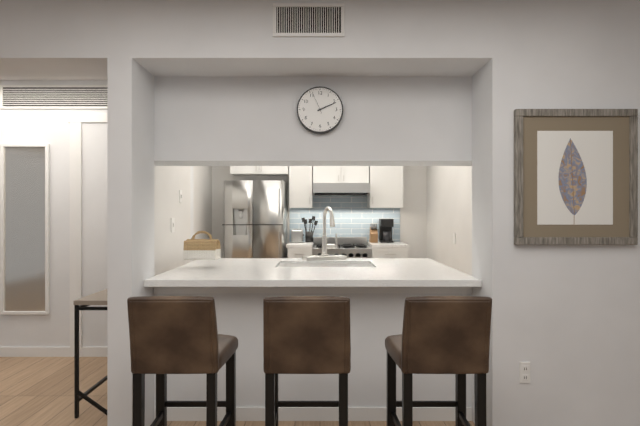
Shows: **2:11**
